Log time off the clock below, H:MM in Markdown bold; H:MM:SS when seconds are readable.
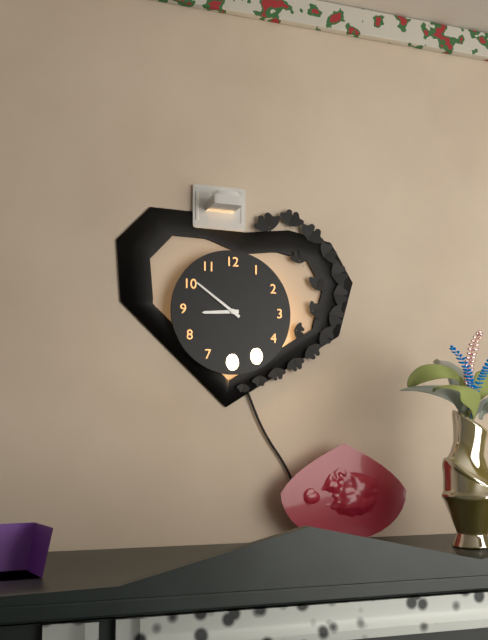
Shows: **8:51**
